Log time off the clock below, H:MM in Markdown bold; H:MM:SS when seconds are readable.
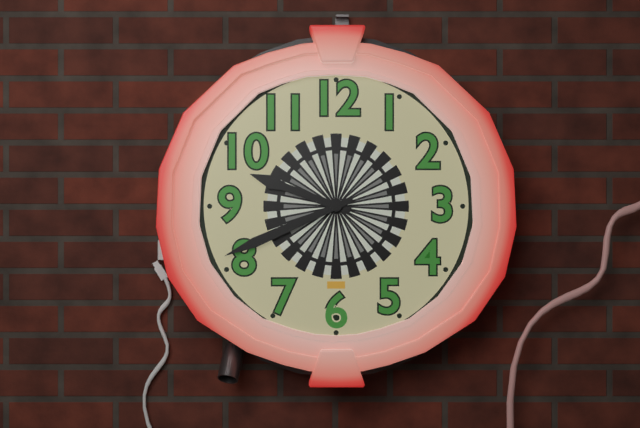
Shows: **9:41**
